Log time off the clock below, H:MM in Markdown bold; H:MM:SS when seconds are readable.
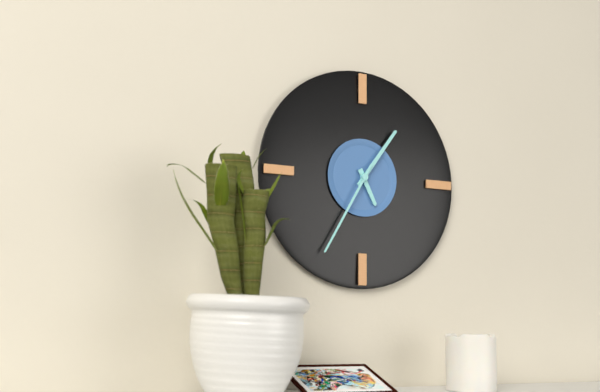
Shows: **5:06:35**
